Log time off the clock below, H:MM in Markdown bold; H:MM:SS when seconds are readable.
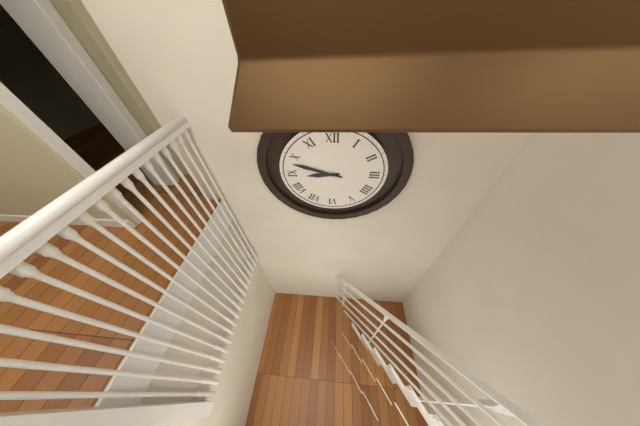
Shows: **8:48**
